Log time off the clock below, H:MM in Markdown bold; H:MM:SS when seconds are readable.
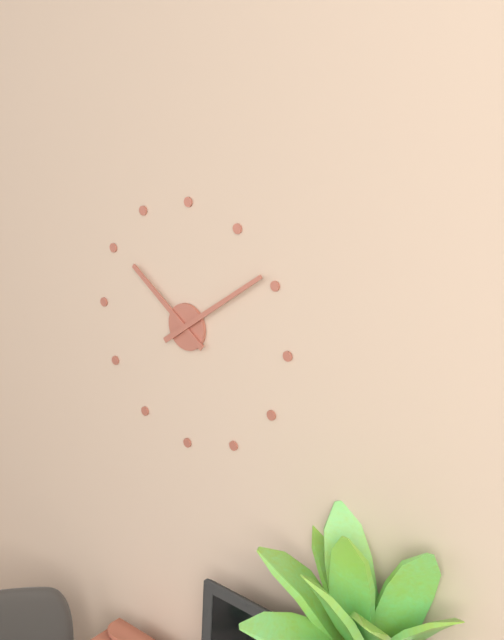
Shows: **10:09**
